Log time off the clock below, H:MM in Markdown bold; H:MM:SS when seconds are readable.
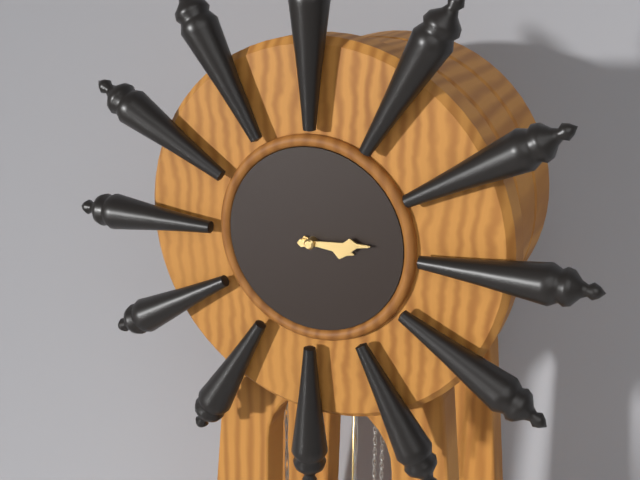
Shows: **3:14**
